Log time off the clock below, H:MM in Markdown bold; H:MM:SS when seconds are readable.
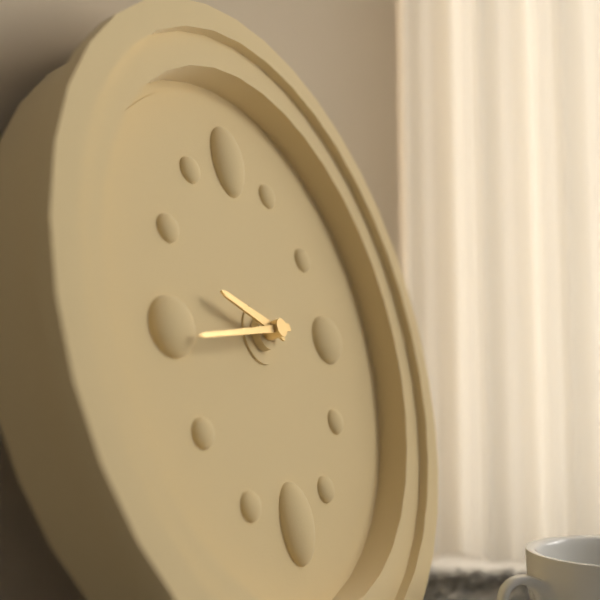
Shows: **9:44**
